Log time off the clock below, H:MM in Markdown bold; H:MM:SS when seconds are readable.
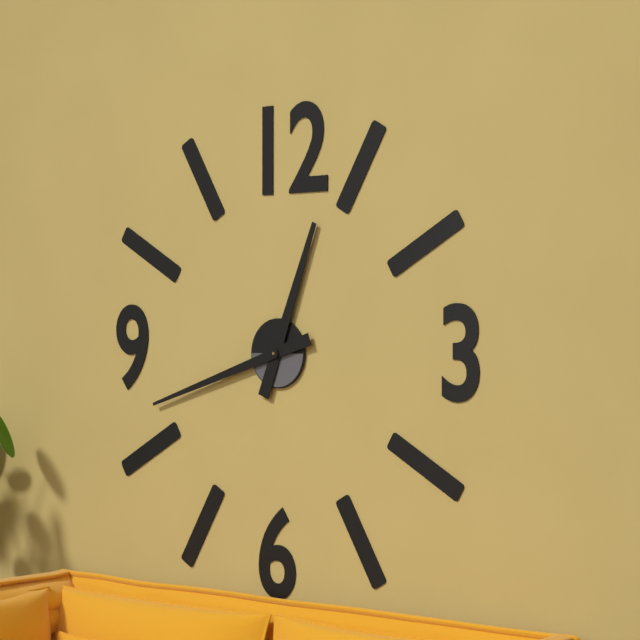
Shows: **12:42**
